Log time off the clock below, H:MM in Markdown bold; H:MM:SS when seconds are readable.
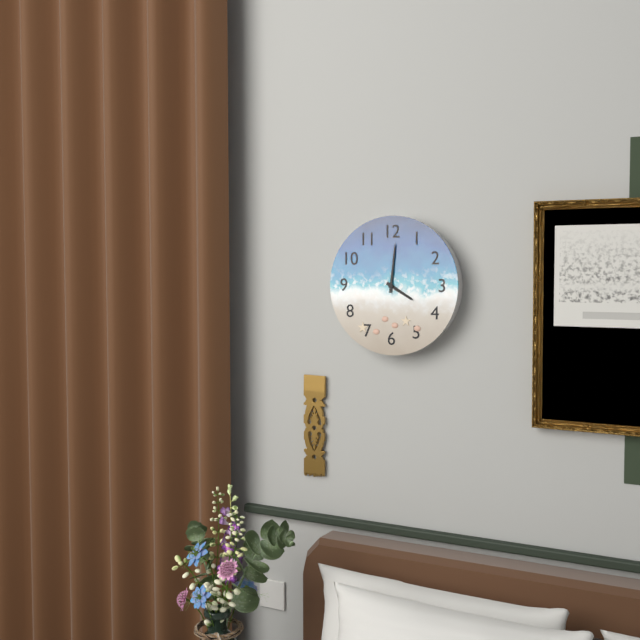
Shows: **4:01**
